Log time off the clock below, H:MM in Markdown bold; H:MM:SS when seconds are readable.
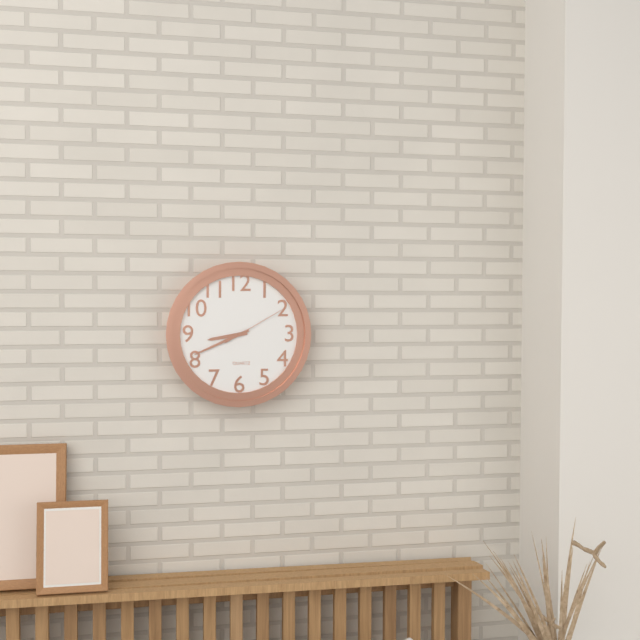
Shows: **8:41:10**
